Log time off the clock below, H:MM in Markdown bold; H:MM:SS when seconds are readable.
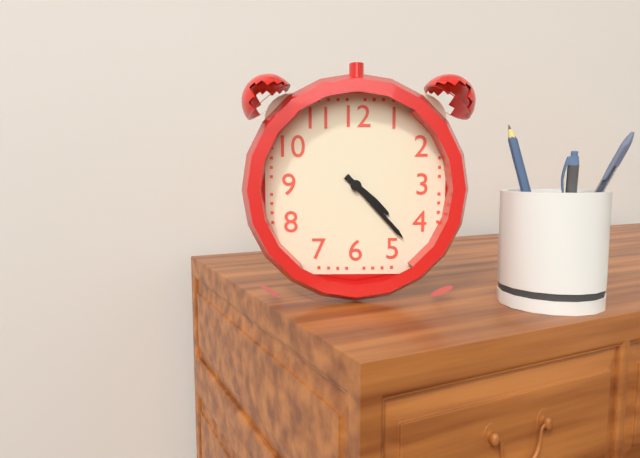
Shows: **4:23**
